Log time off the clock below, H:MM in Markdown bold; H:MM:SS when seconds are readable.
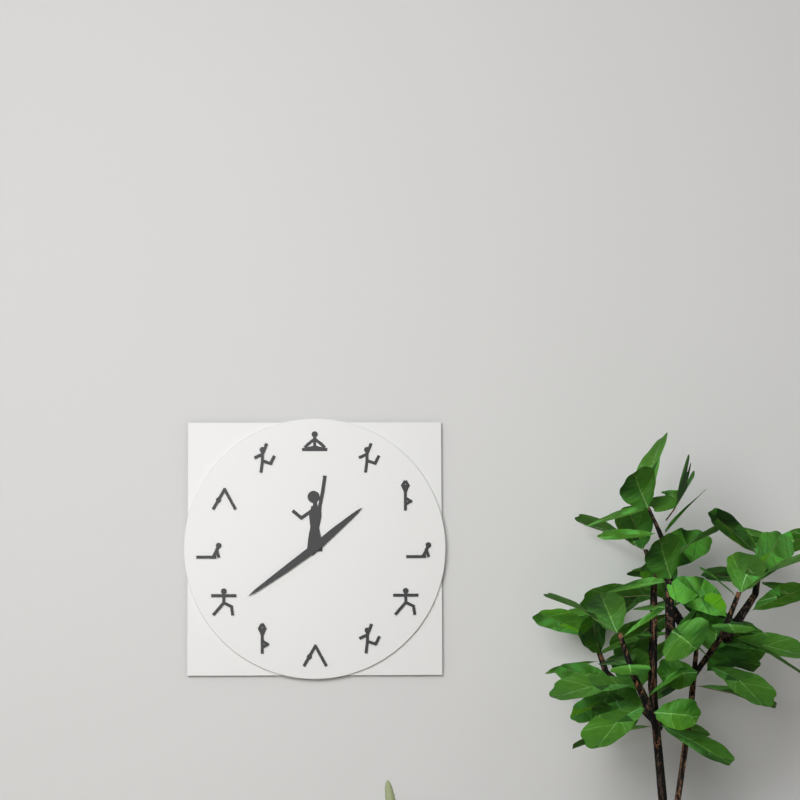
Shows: **1:39**
